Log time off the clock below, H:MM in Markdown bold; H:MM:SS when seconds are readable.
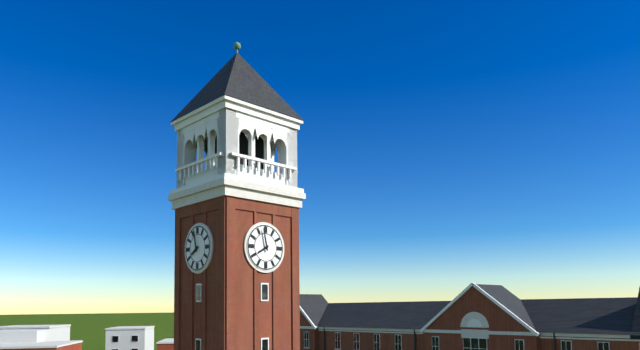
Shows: **7:58**
